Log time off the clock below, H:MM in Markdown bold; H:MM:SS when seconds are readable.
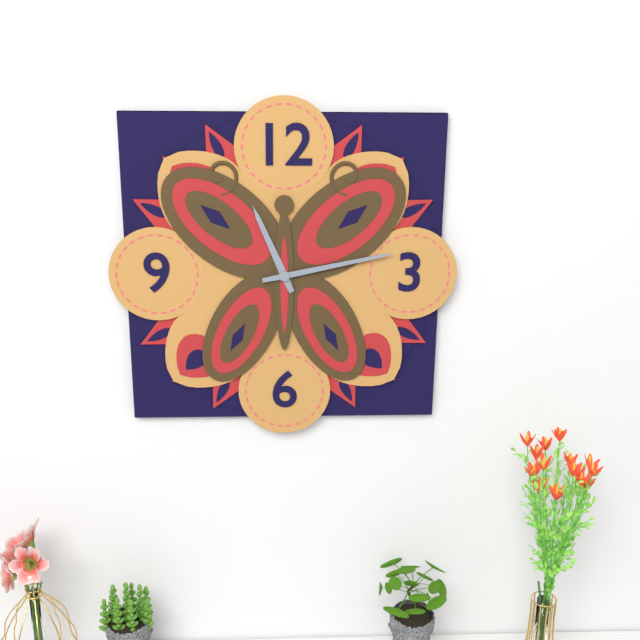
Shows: **11:13**
